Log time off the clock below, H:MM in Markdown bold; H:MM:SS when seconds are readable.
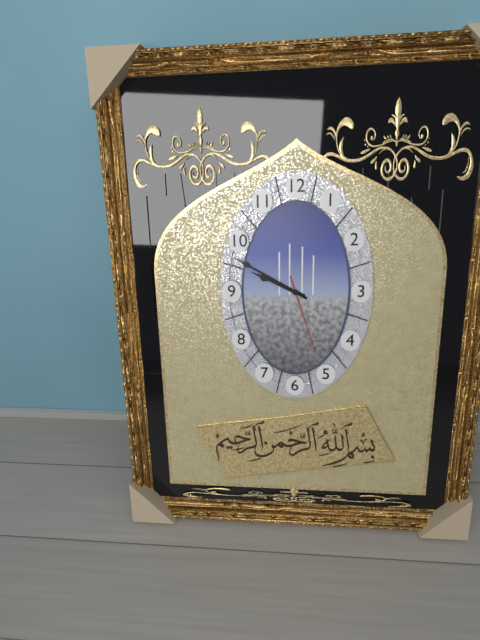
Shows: **9:50:27**
